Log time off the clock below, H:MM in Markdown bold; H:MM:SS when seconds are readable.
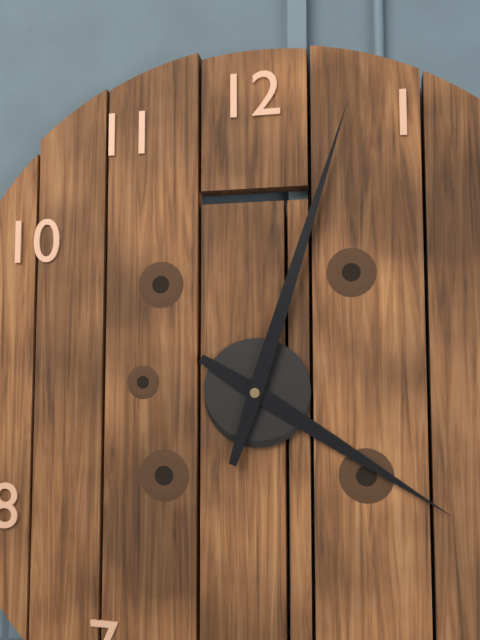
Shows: **4:03**
